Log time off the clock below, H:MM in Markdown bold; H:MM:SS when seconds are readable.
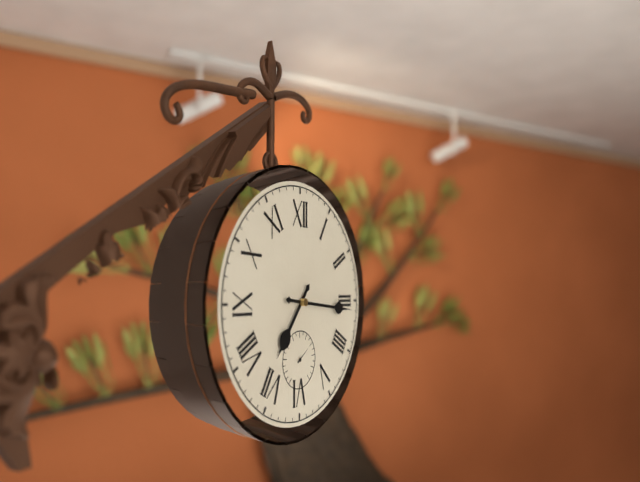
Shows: **7:16**
